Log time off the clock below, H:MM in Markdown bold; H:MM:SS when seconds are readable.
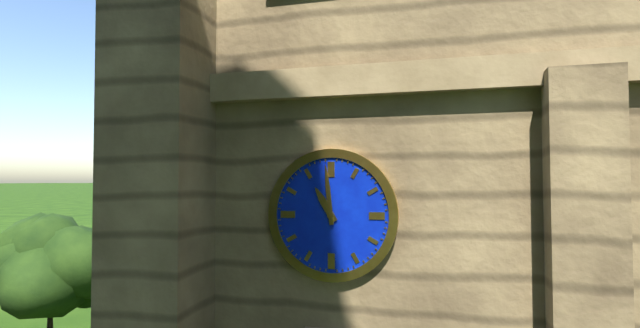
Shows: **10:59**
